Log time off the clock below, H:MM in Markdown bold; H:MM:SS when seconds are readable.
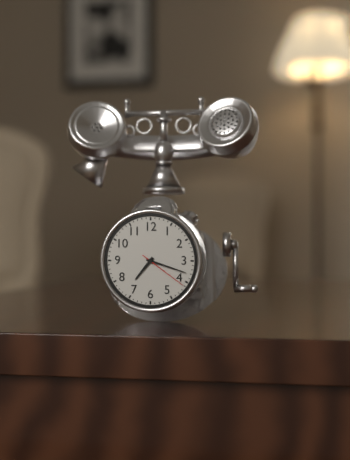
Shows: **7:18:21**
